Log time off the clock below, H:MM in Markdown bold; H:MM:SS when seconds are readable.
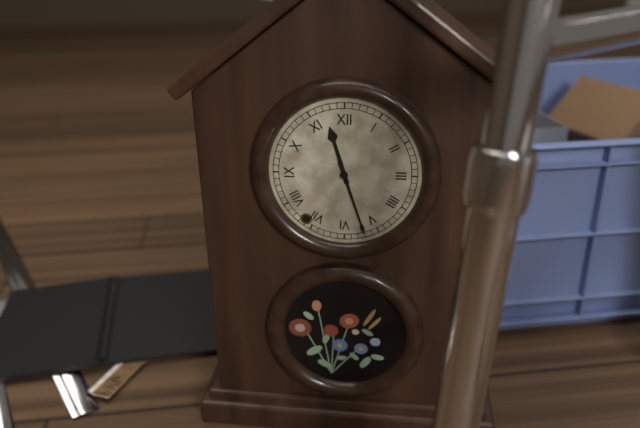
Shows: **11:27**
